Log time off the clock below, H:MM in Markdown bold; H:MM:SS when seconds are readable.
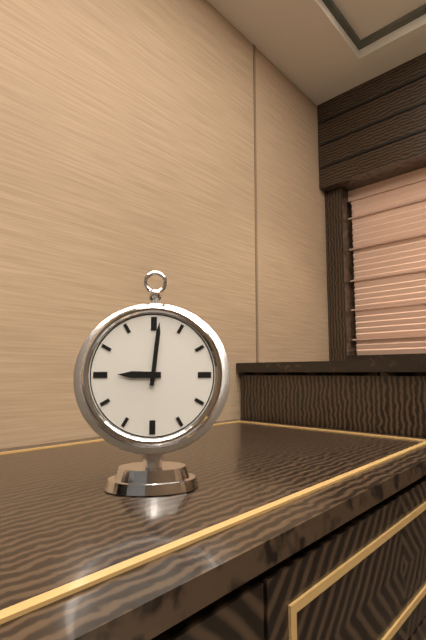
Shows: **9:01**
